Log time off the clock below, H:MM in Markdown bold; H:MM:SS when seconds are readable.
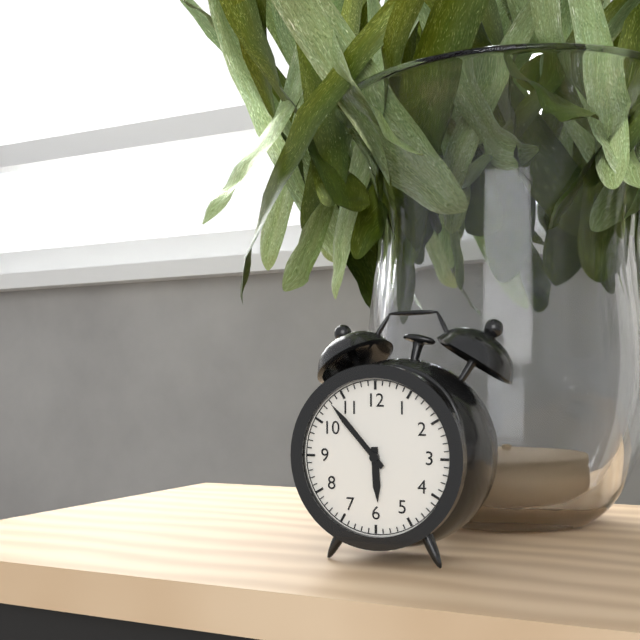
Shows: **5:53**
